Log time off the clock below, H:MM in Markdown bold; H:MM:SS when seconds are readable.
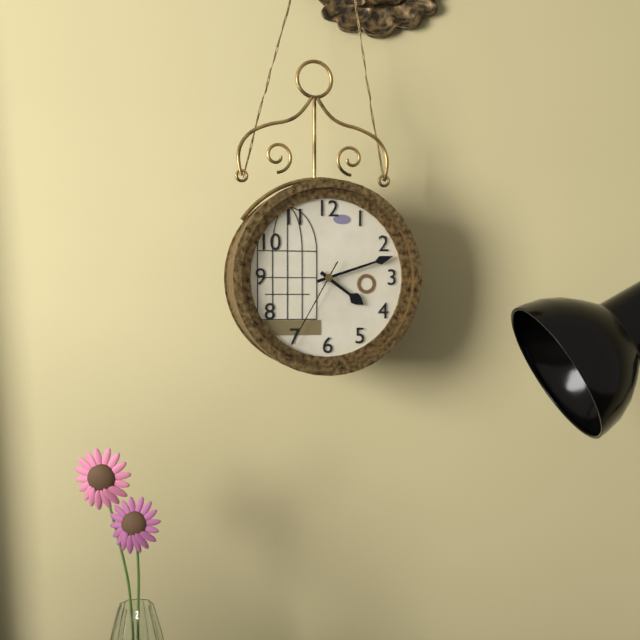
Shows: **4:12:35**
